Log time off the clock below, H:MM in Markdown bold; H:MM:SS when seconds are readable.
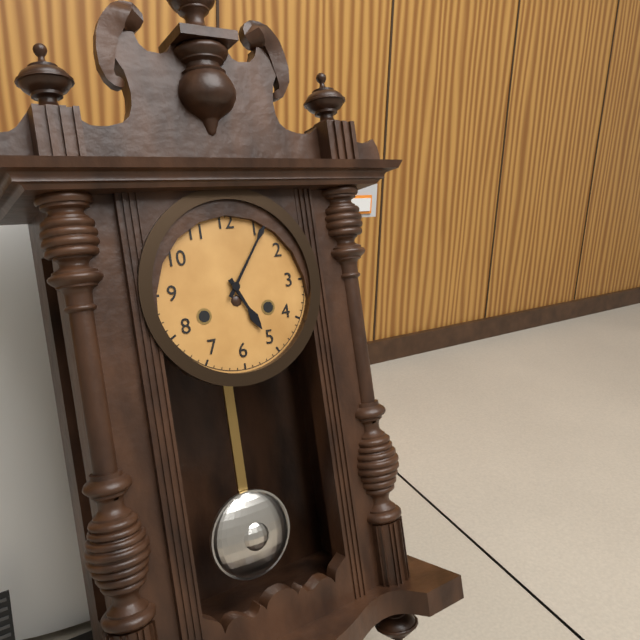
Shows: **5:06**
